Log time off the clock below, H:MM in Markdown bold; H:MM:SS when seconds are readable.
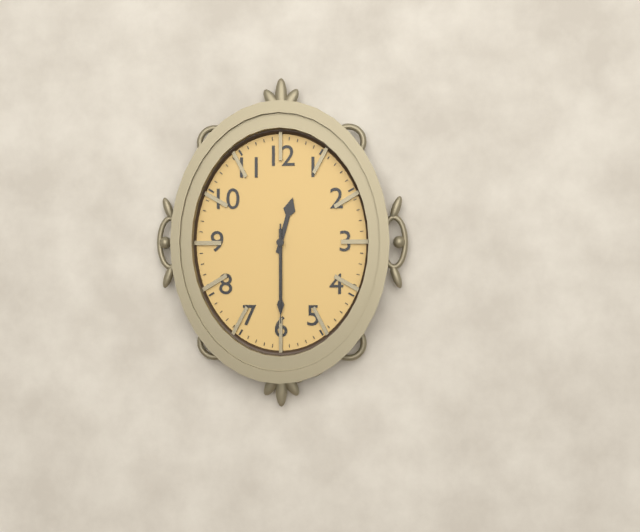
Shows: **12:30:30**
